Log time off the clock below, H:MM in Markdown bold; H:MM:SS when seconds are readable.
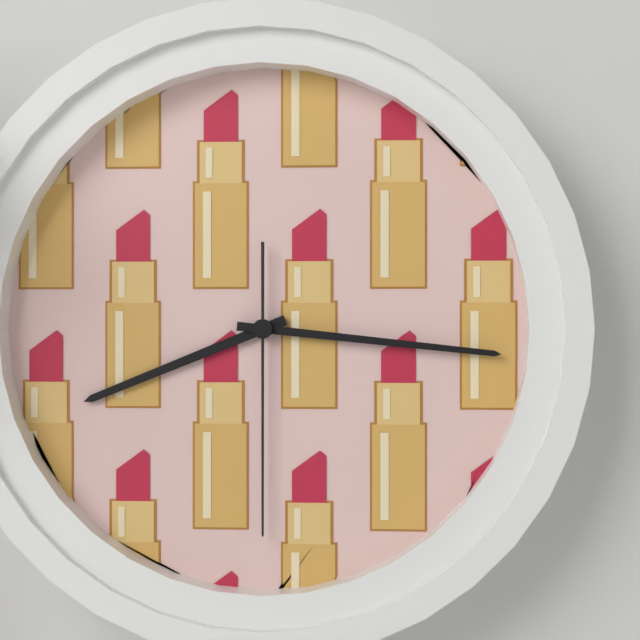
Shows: **8:16:30**
